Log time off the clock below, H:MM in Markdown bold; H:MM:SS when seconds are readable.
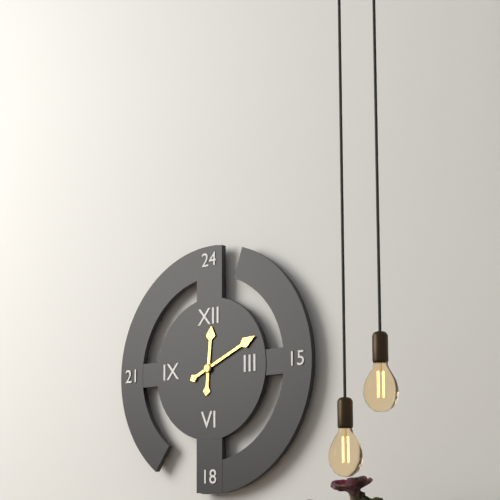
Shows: **12:11**
